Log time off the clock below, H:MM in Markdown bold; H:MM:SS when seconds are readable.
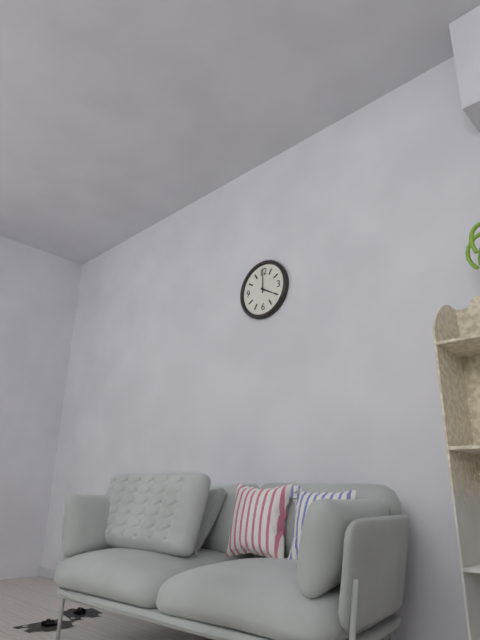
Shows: **4:00**
